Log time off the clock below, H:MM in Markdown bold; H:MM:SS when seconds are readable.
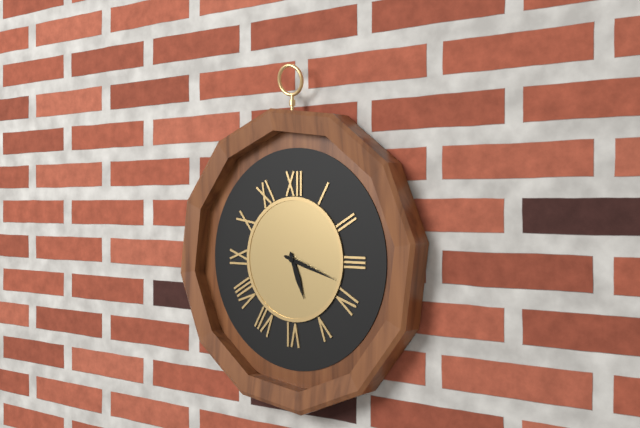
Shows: **5:18**
